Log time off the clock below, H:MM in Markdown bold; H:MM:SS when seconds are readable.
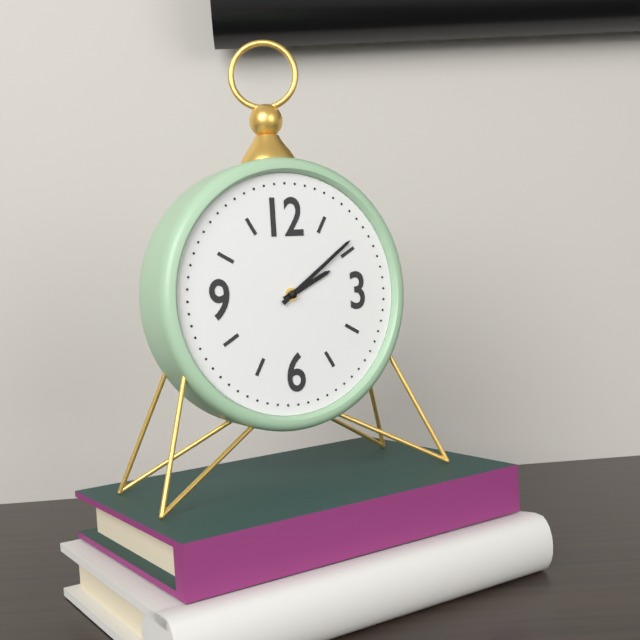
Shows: **2:09**
